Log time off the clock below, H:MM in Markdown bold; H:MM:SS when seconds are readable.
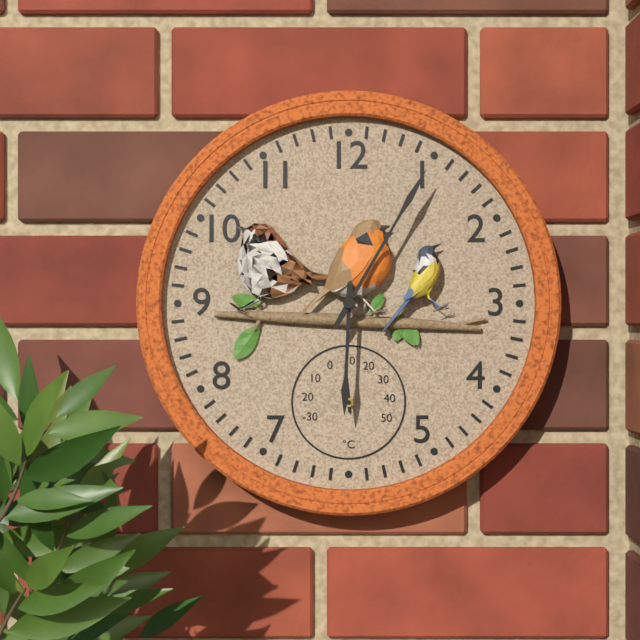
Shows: **6:05**
